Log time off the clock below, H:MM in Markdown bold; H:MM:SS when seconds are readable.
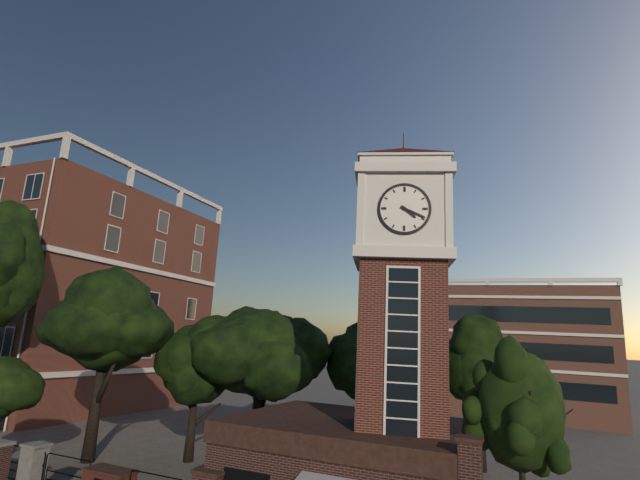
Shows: **4:19**
